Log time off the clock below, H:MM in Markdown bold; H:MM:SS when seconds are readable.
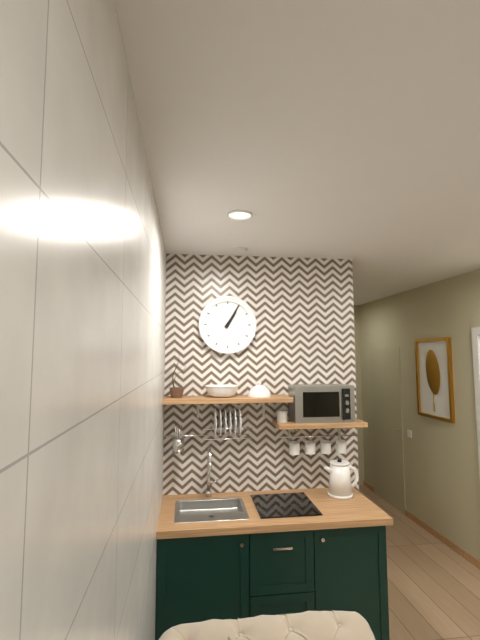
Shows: **1:05**
